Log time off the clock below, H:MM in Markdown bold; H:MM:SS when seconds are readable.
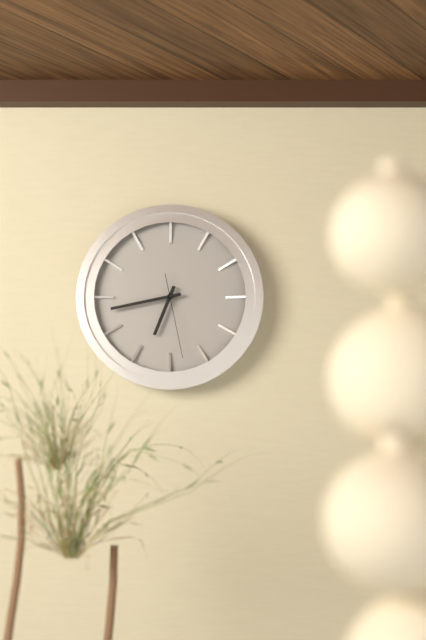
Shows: **6:43:28**
